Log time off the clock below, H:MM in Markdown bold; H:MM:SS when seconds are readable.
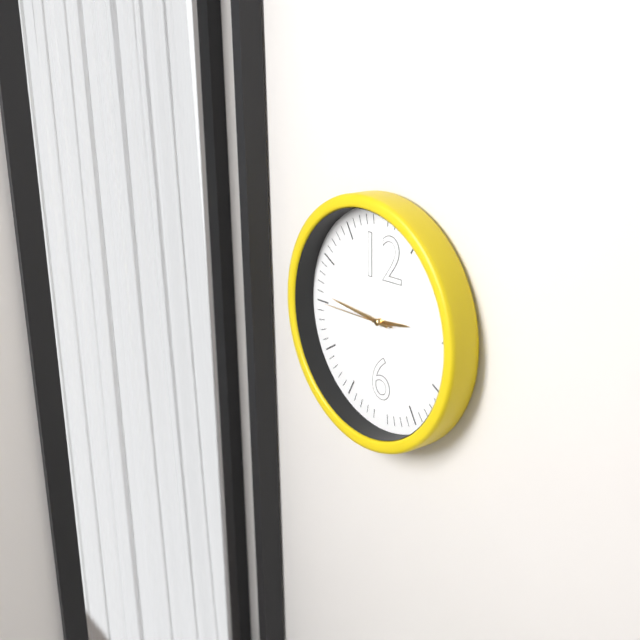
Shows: **2:46:45**
